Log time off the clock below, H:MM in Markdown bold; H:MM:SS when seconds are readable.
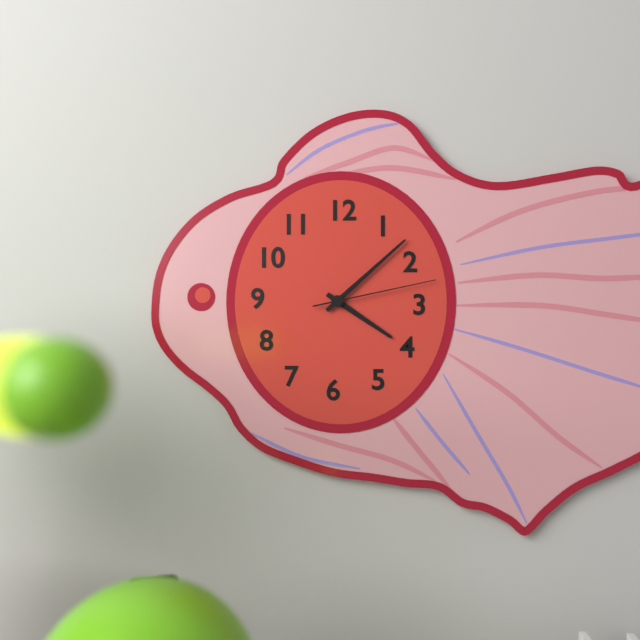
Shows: **4:08:13**
